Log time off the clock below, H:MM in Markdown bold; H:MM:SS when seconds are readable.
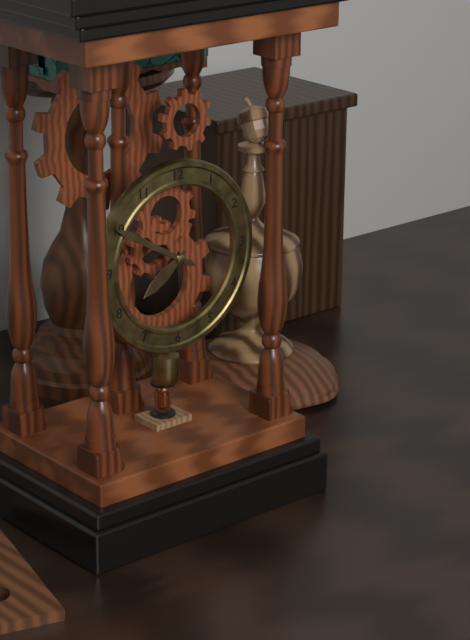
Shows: **7:50**
